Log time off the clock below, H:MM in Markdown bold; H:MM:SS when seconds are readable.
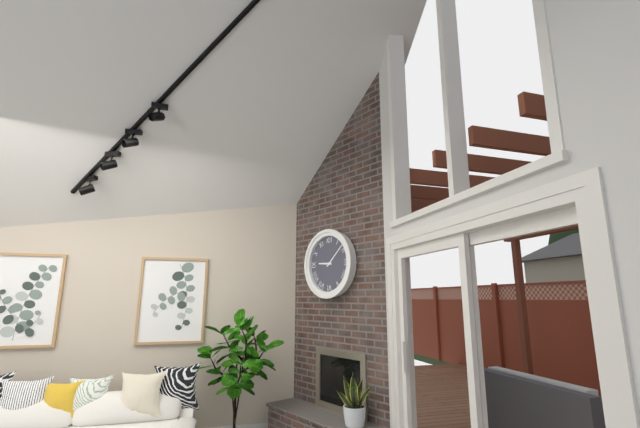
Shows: **9:08**
